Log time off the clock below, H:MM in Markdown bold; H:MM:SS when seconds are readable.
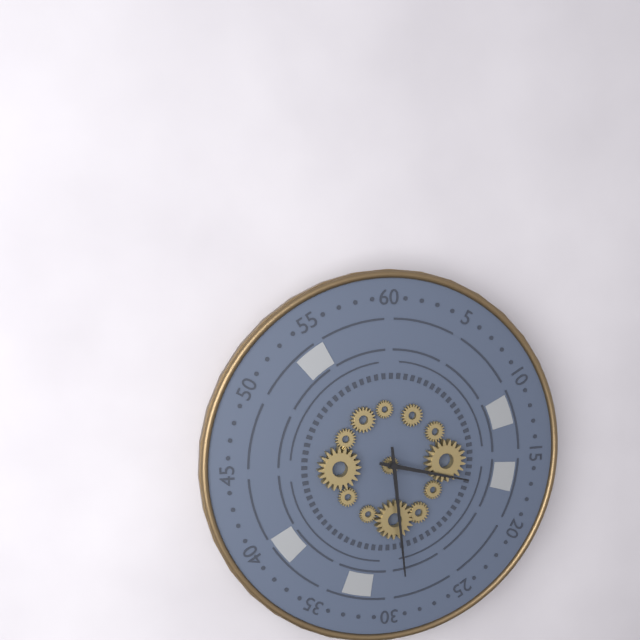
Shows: **3:29**
